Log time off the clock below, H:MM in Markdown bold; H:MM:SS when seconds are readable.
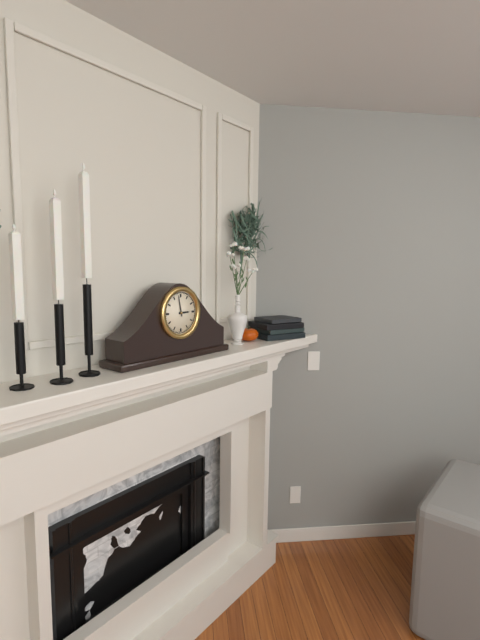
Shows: **2:58**
